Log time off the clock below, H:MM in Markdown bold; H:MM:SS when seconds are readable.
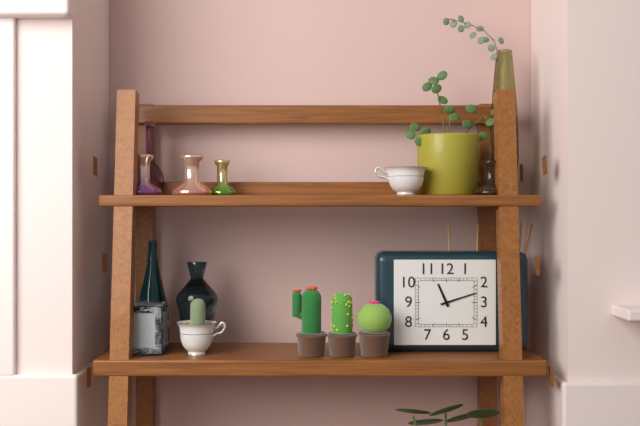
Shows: **11:12**
